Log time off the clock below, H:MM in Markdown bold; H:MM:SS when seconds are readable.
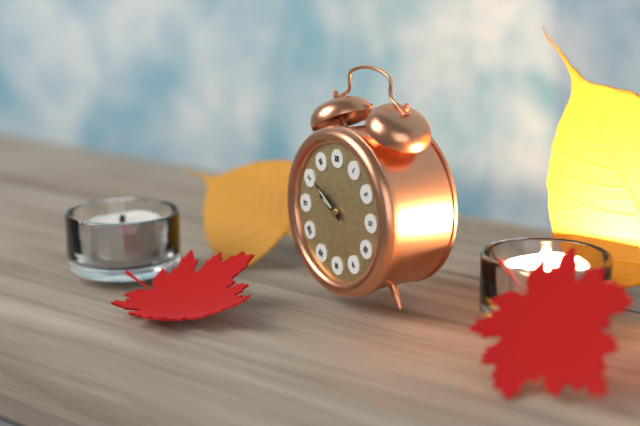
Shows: **9:51**
